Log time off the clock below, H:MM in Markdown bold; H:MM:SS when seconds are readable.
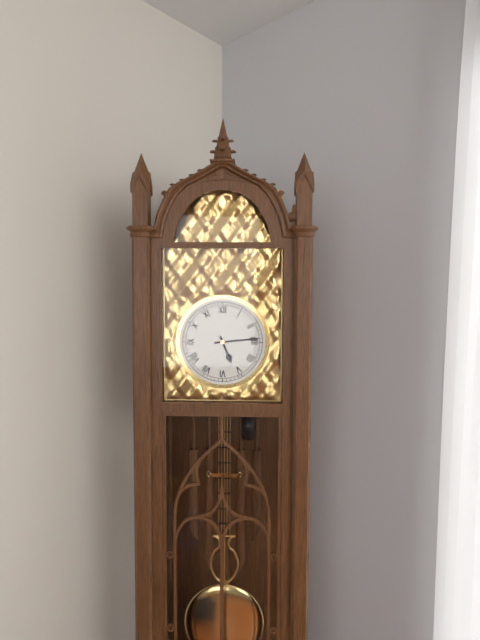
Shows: **5:14**
